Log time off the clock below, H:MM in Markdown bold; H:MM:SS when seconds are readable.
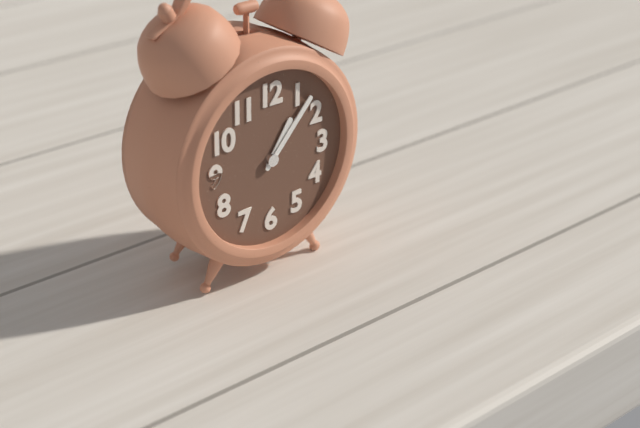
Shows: **1:07**
